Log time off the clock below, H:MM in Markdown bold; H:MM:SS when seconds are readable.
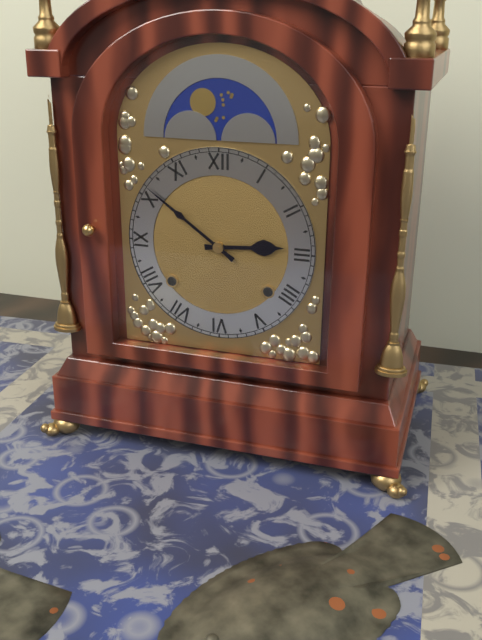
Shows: **2:51**
